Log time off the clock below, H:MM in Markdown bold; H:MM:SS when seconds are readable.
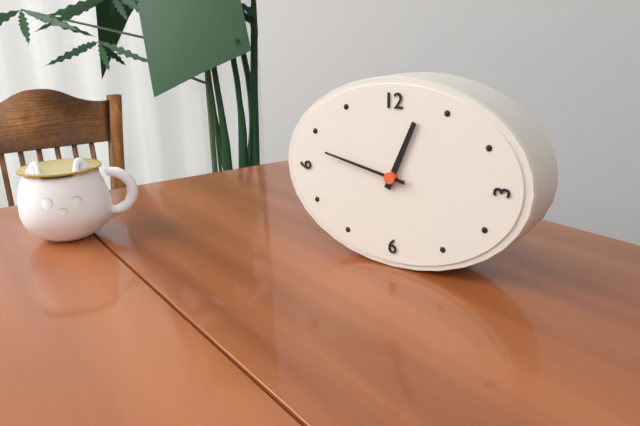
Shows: **12:47**
